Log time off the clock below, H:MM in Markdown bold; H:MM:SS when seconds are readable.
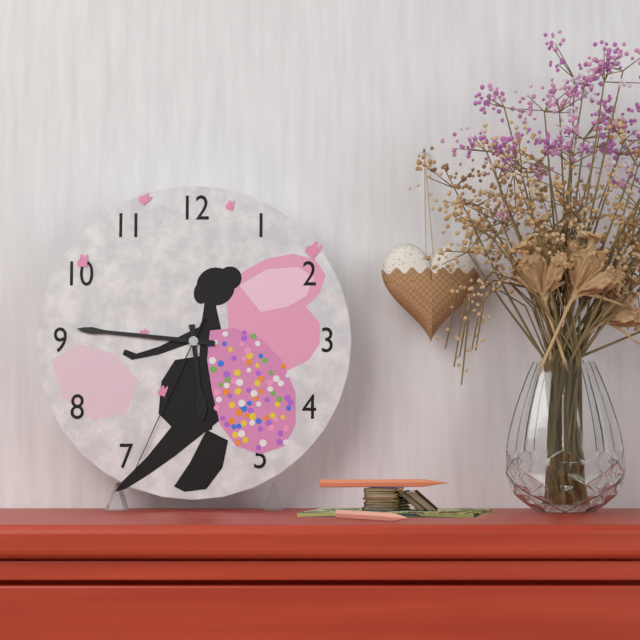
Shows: **5:46:34**
